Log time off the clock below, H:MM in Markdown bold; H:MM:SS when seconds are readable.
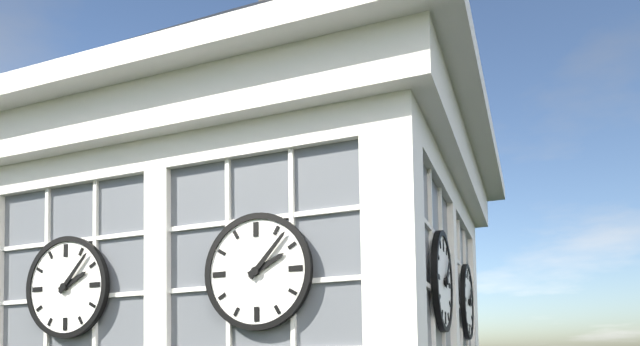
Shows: **2:07**
